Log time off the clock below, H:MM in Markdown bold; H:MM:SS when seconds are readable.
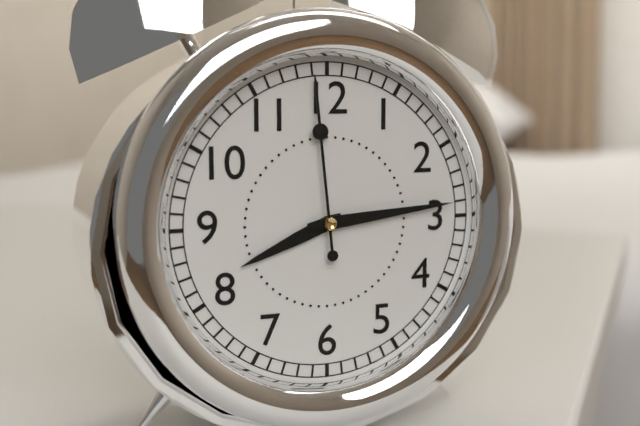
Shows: **8:14:59**
